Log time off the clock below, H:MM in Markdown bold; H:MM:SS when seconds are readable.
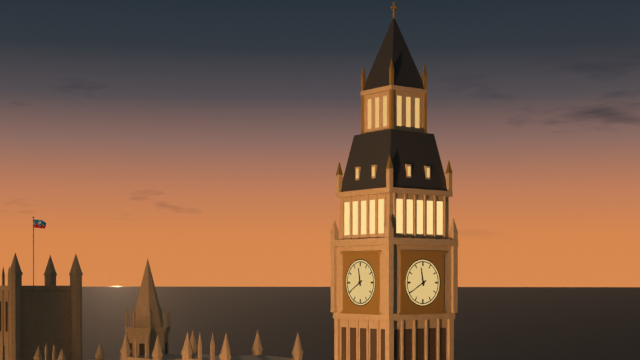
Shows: **11:40**
